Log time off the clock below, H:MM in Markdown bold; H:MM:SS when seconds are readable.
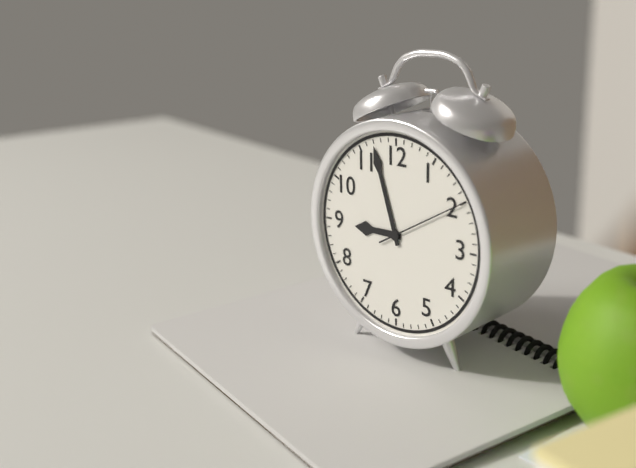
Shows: **8:57:10**
